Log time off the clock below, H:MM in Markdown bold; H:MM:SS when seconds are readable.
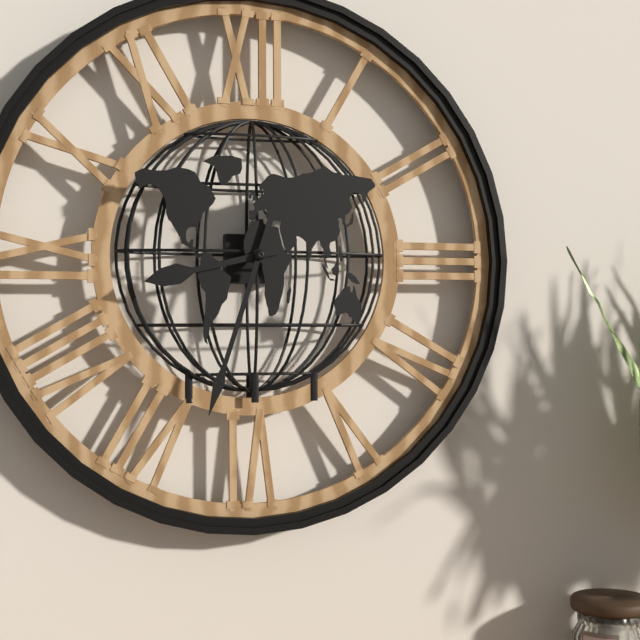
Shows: **8:33**
